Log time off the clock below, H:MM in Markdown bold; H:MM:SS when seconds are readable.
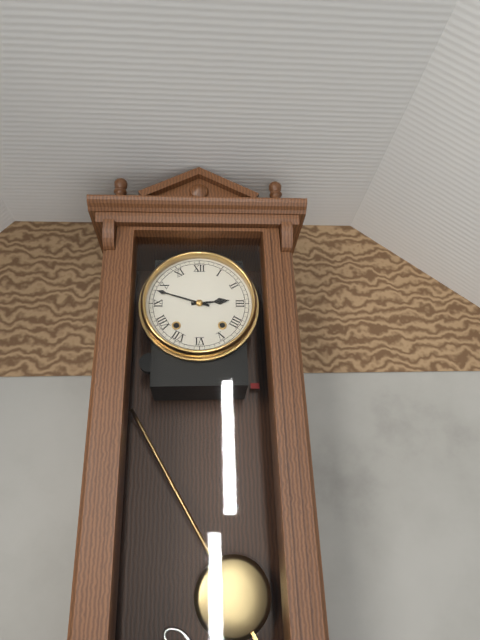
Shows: **2:48**
